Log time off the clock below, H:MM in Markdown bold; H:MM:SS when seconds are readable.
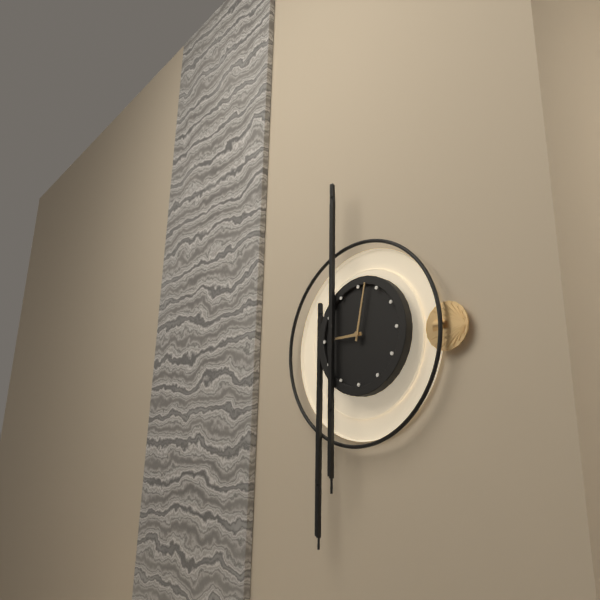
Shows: **9:02**
